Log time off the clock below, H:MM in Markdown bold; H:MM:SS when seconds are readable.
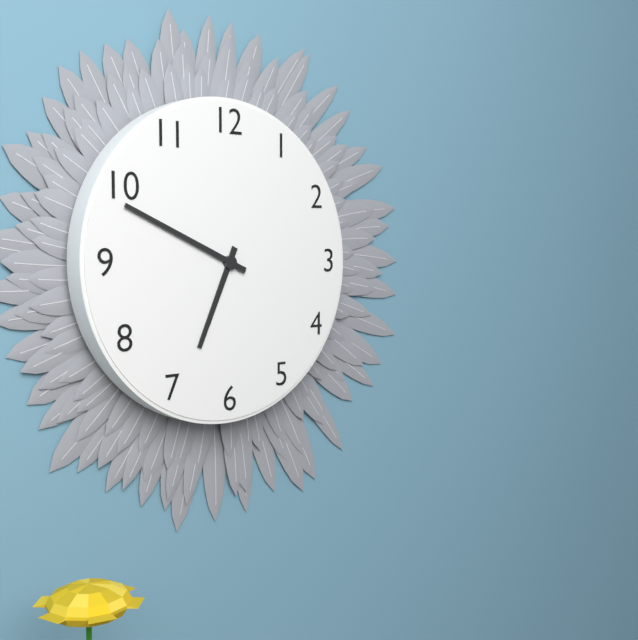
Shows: **6:49**
